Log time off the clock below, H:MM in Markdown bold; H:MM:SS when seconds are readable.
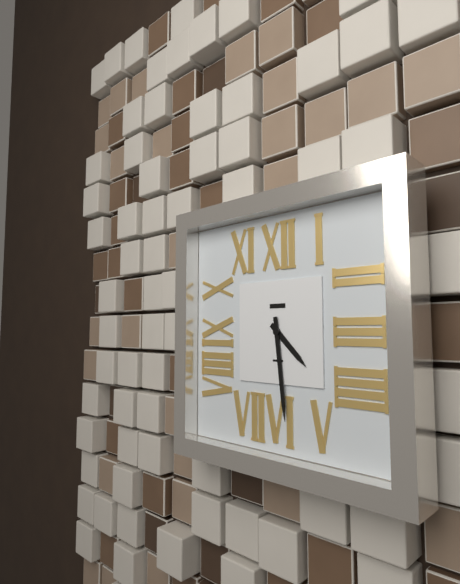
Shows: **4:29**
